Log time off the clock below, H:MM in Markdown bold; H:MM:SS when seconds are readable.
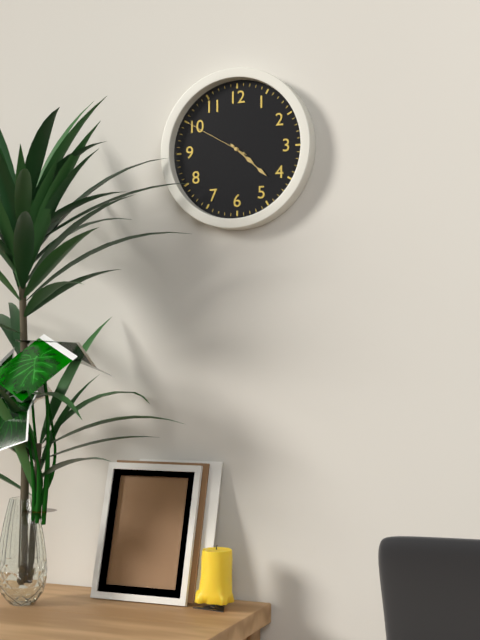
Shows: **4:22:50**
